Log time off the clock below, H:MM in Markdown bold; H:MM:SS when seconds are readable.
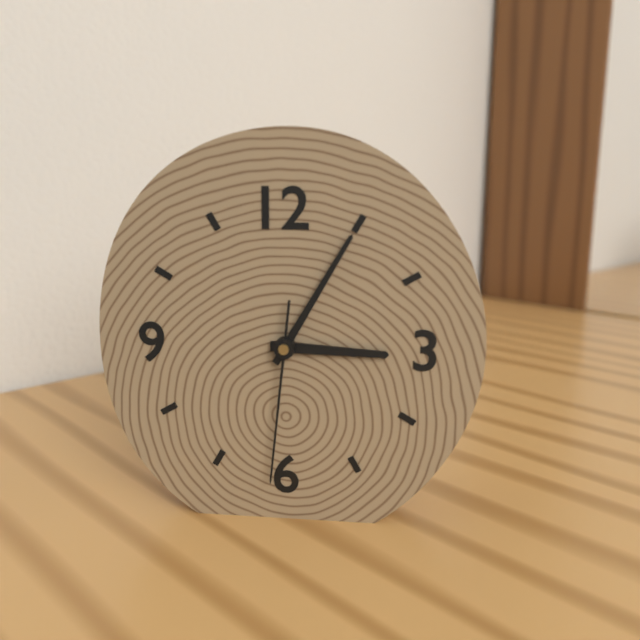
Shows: **3:05:31**
